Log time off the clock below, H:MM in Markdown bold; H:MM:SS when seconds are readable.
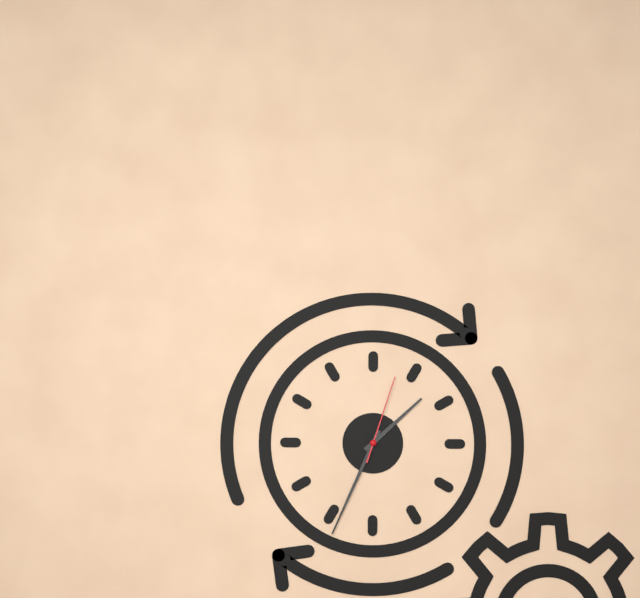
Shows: **1:34:03**
